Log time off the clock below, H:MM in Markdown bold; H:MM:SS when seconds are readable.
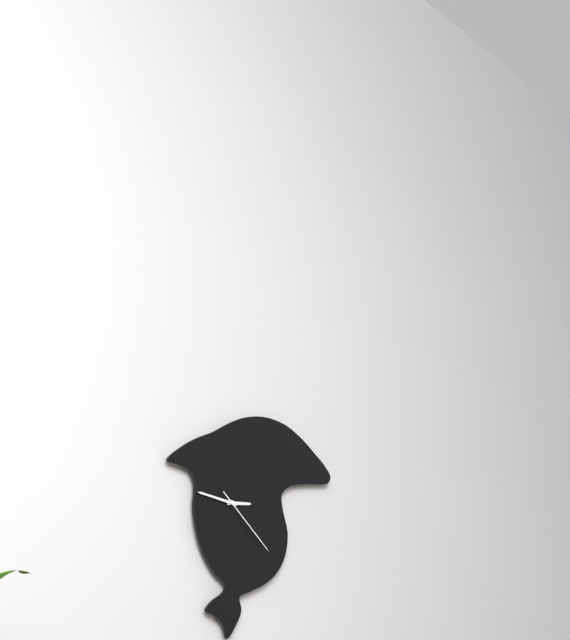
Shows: **2:46:22**
